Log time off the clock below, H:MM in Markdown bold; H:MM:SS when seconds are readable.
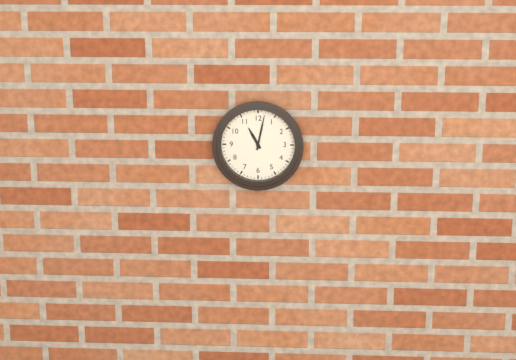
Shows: **11:02**
